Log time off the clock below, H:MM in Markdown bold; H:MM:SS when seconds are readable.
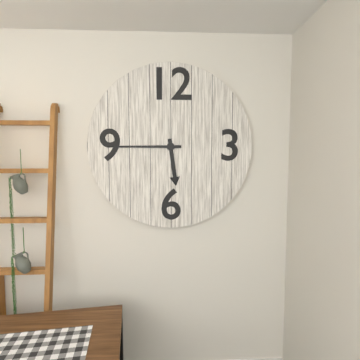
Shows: **5:45**
